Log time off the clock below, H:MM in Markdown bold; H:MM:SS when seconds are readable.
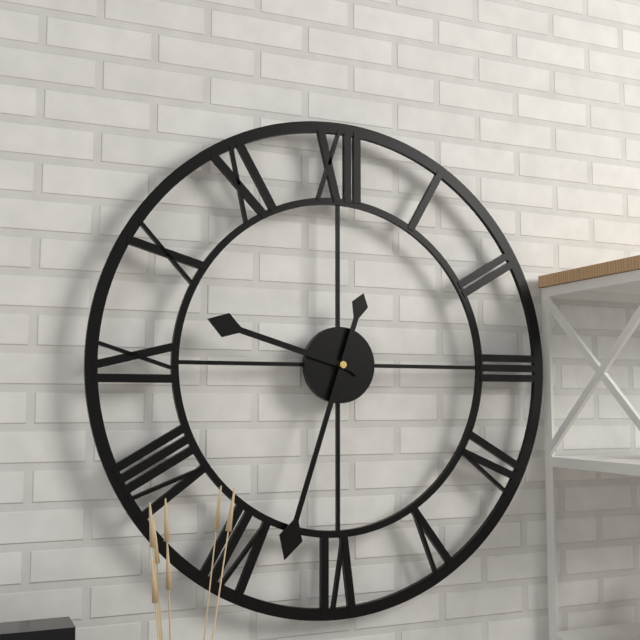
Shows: **9:33**
